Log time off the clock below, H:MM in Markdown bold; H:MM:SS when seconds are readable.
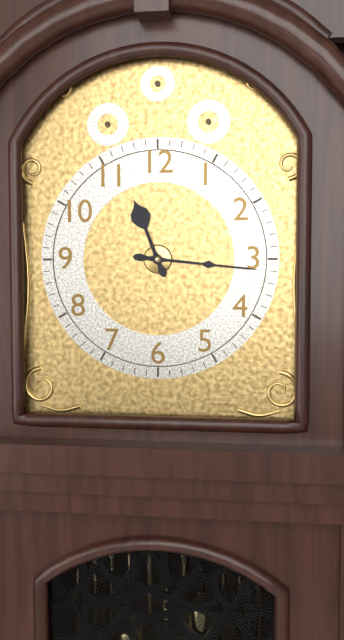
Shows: **11:16**
